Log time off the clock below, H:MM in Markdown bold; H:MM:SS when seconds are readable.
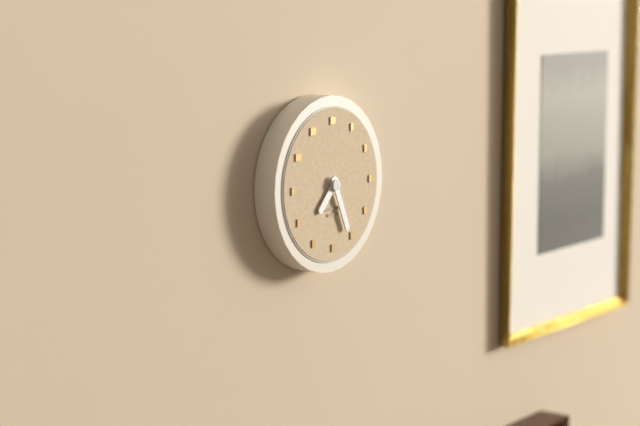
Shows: **7:26**
